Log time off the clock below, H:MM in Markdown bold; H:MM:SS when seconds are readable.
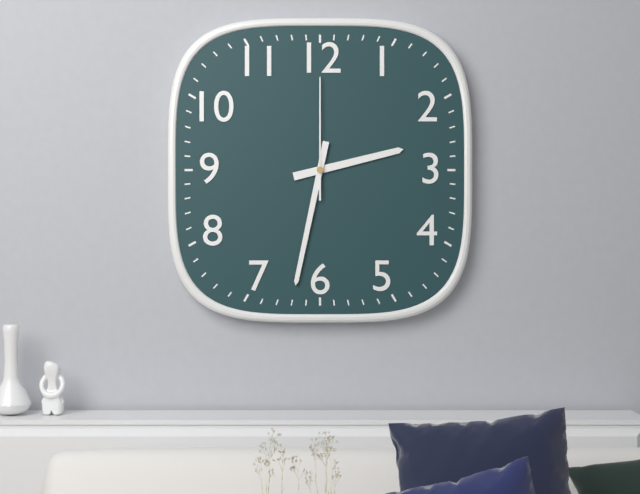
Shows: **2:32:00**
